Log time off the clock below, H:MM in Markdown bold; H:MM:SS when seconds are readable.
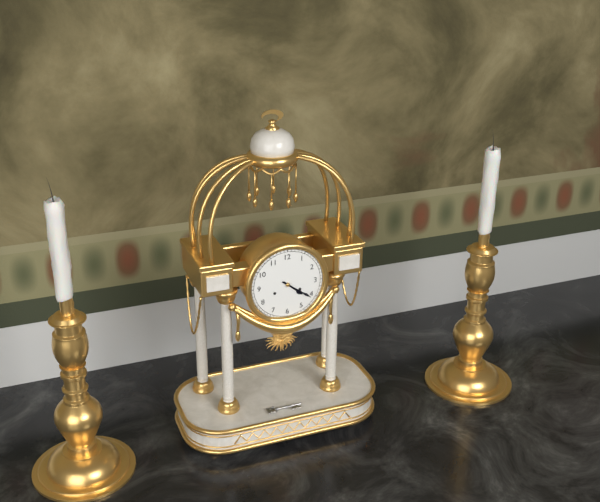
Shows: **4:21**
